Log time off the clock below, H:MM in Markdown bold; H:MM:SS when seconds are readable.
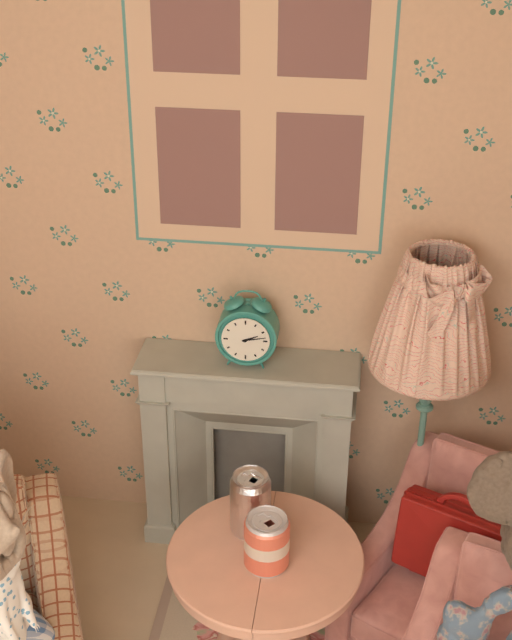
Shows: **2:13**
